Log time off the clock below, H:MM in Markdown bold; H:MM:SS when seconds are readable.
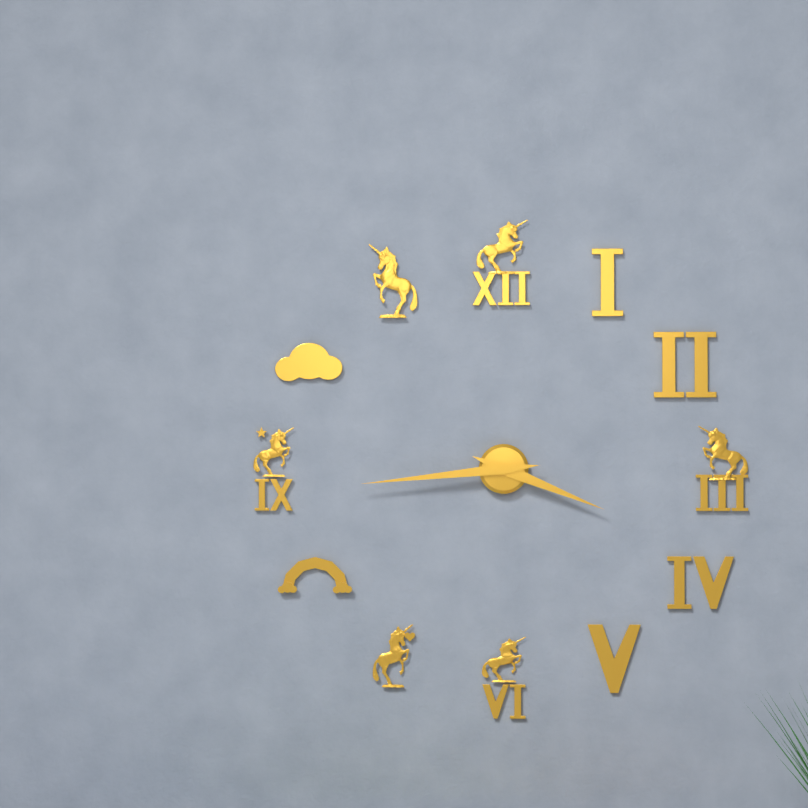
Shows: **3:44**
